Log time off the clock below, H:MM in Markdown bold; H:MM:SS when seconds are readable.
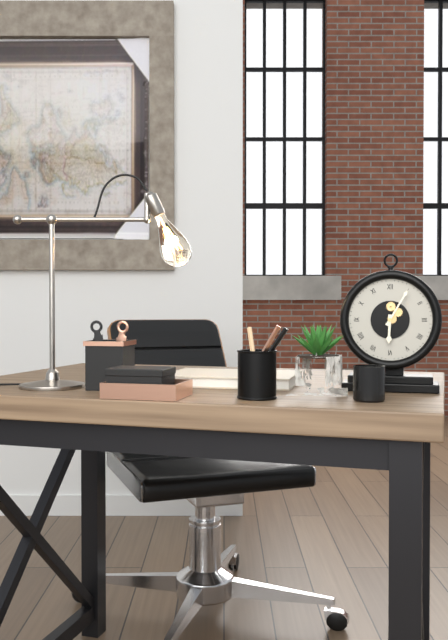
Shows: **6:05**
